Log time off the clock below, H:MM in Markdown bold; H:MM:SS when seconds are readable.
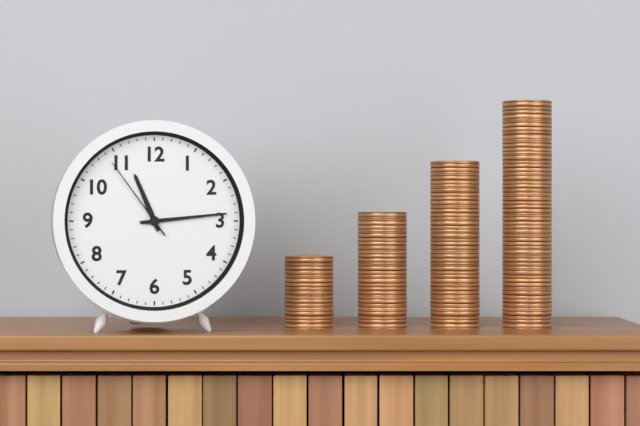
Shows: **11:14:54**
